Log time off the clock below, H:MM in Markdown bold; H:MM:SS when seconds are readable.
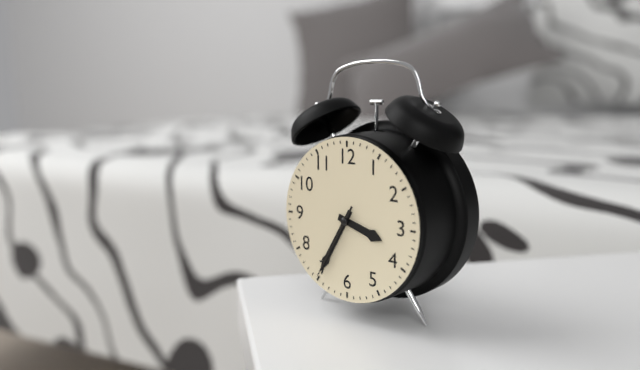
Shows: **3:35:35**
